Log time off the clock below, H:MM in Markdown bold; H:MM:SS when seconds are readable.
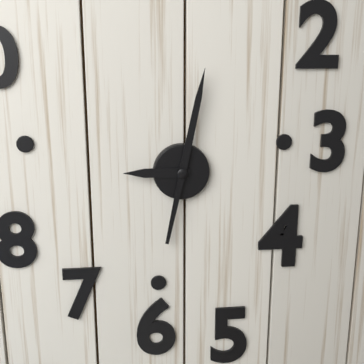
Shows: **9:02**
